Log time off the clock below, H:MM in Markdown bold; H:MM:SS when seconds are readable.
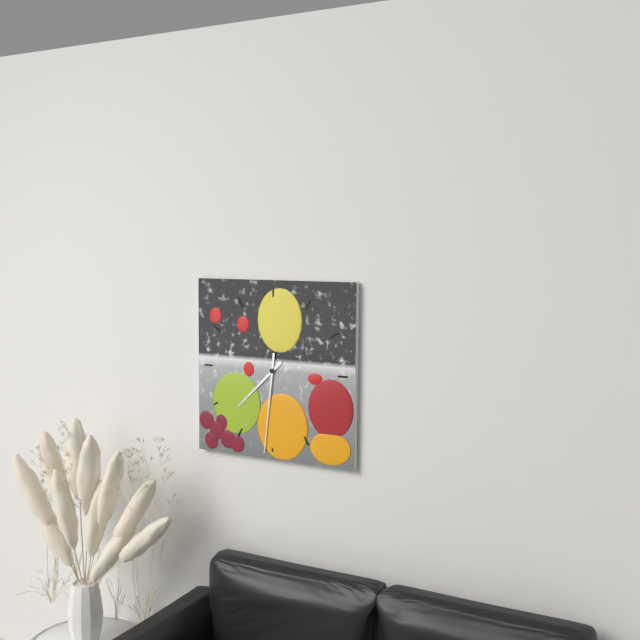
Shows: **7:31**
